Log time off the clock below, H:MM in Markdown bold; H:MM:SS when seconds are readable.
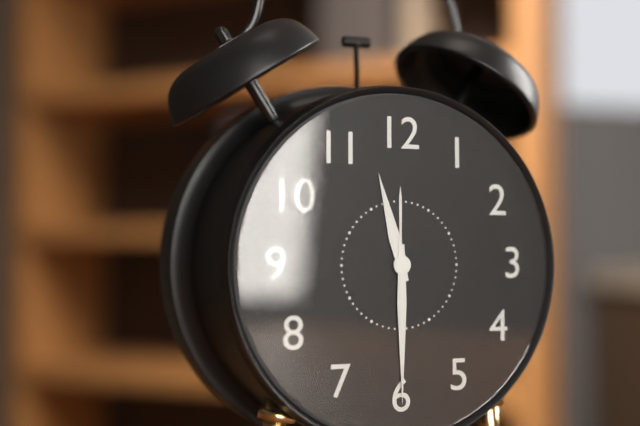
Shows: **11:30**
